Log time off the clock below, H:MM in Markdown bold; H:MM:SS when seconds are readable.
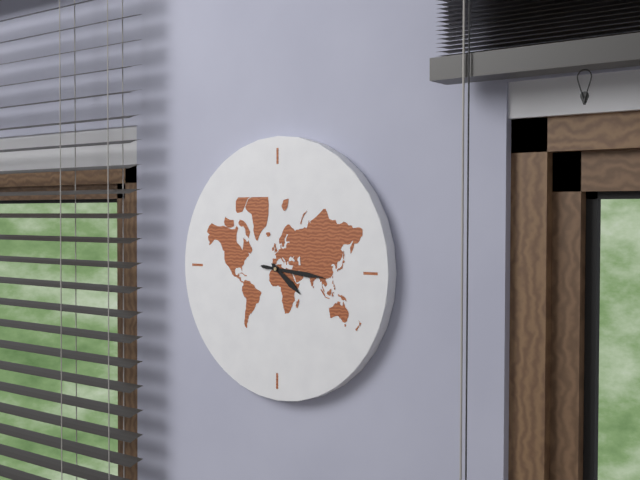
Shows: **4:16**
